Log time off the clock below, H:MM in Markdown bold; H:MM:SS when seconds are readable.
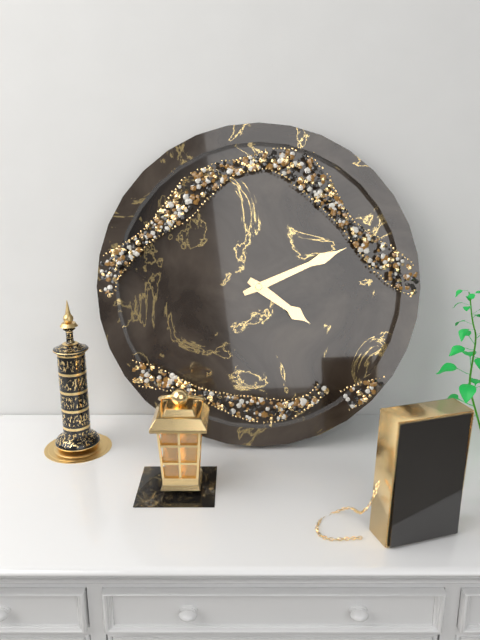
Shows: **4:11**
